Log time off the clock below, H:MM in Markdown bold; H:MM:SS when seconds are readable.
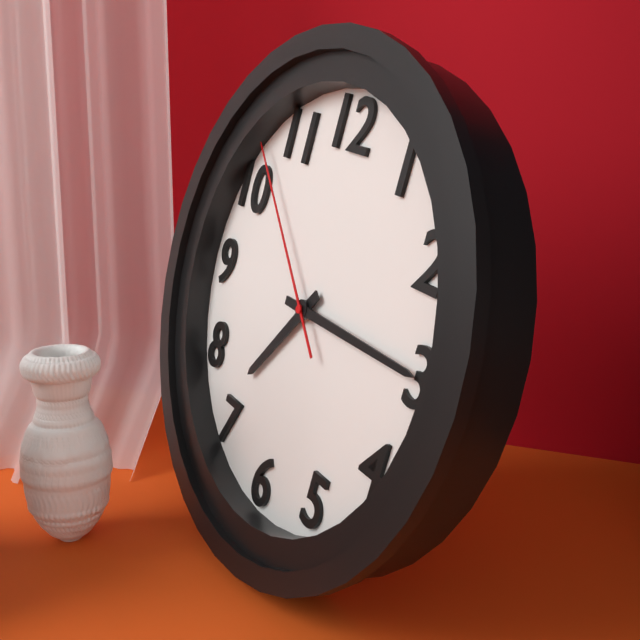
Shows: **7:15:52**
